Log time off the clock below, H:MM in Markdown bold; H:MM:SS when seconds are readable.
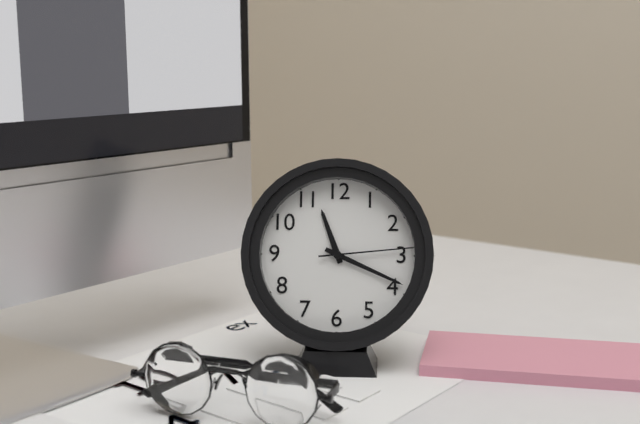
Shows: **11:19:14**
